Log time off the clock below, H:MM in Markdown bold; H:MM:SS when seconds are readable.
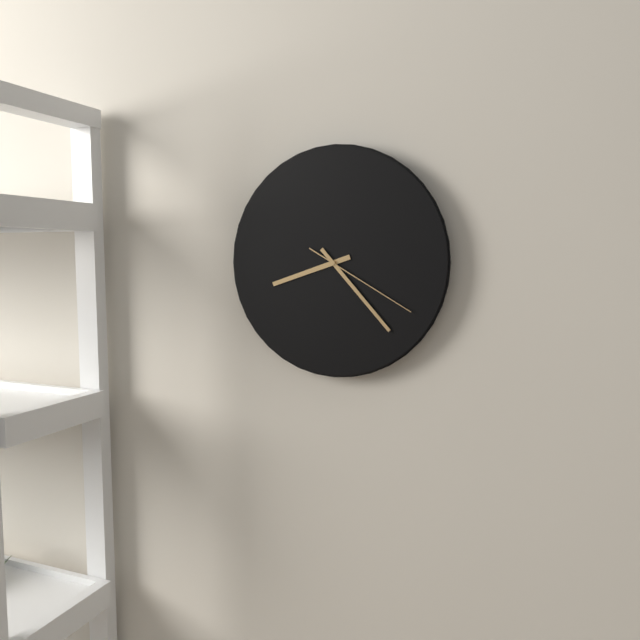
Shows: **8:23:20**
